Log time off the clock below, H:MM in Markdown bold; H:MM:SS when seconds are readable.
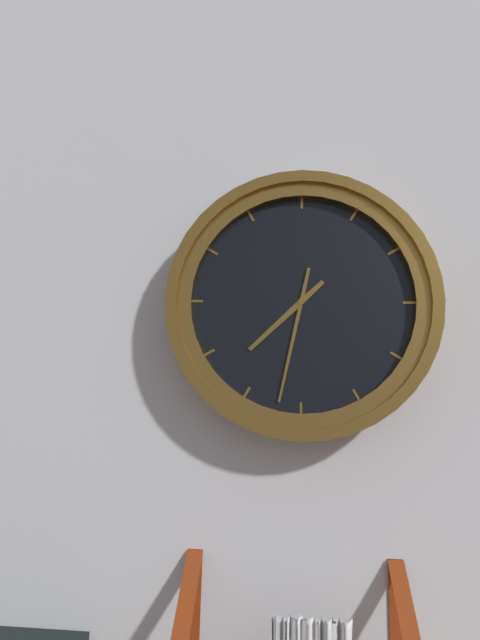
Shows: **7:32**
